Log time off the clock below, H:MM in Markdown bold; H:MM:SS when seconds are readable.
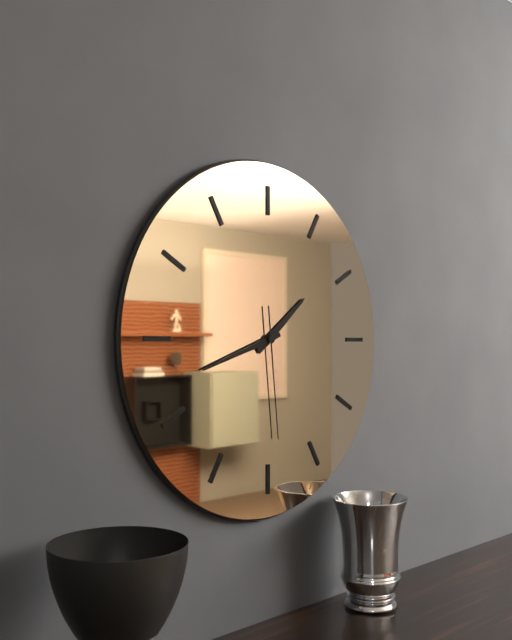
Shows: **1:42:29**
